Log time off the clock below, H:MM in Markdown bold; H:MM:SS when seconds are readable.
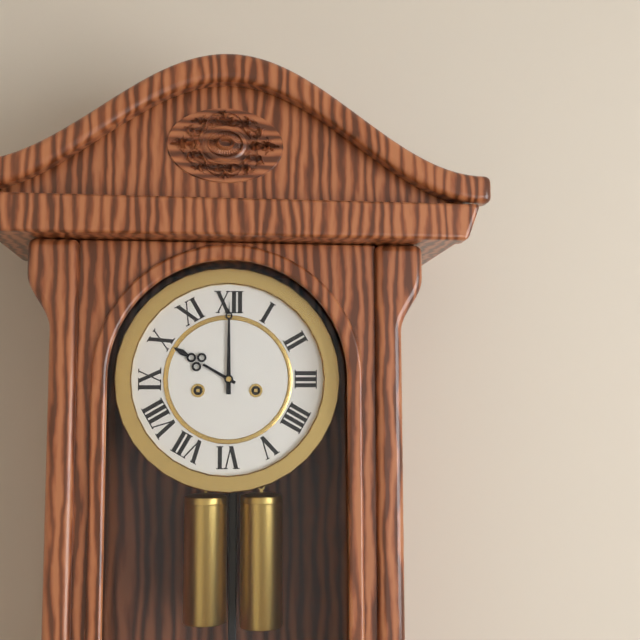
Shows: **10:00**
